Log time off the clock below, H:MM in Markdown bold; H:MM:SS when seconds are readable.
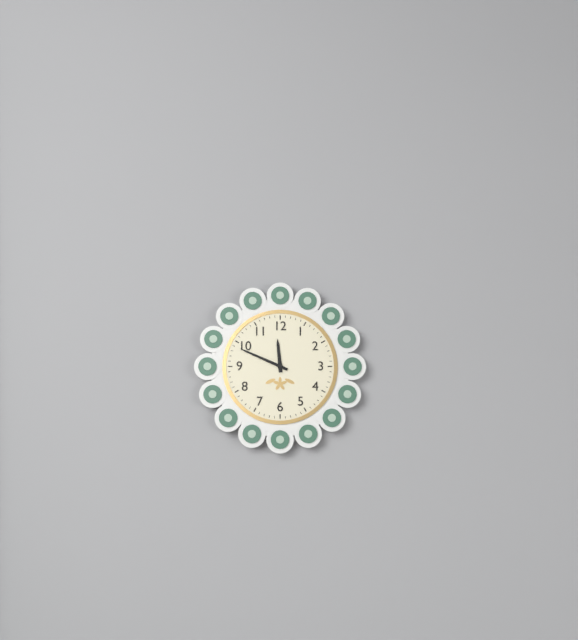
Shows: **11:49**
